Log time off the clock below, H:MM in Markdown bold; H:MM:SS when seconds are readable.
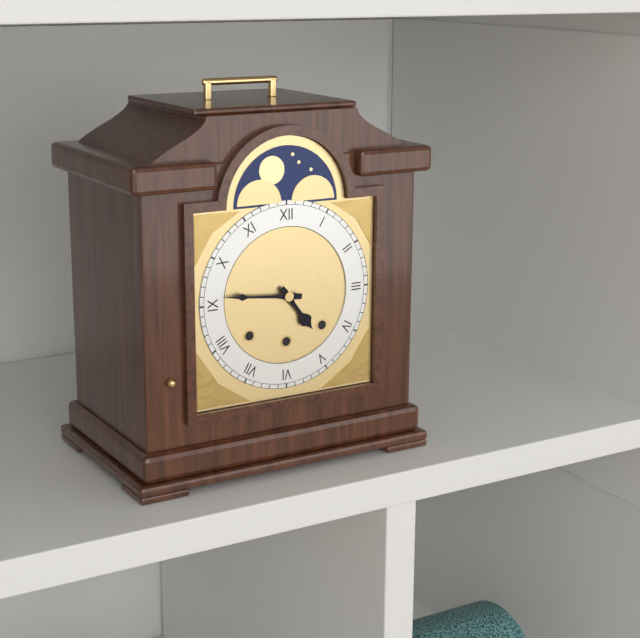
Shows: **4:46**
